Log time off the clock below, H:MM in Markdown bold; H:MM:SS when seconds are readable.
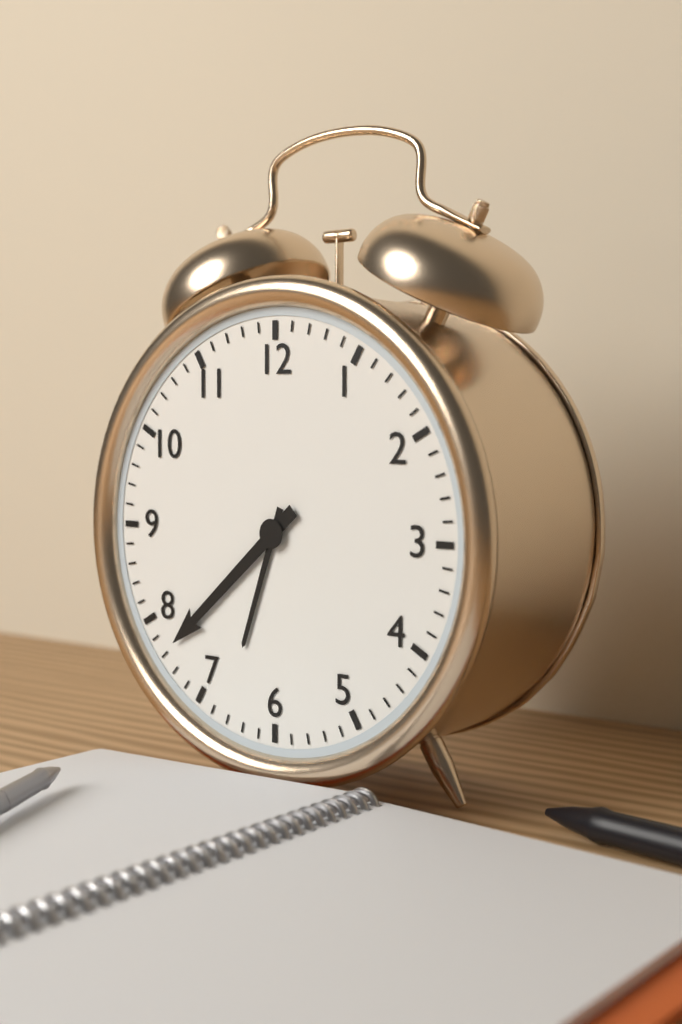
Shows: **6:38**
